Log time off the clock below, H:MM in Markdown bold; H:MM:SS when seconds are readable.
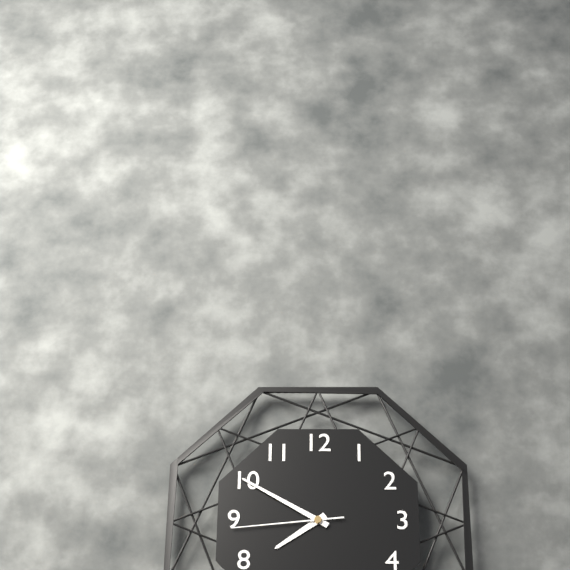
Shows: **7:50:44**
